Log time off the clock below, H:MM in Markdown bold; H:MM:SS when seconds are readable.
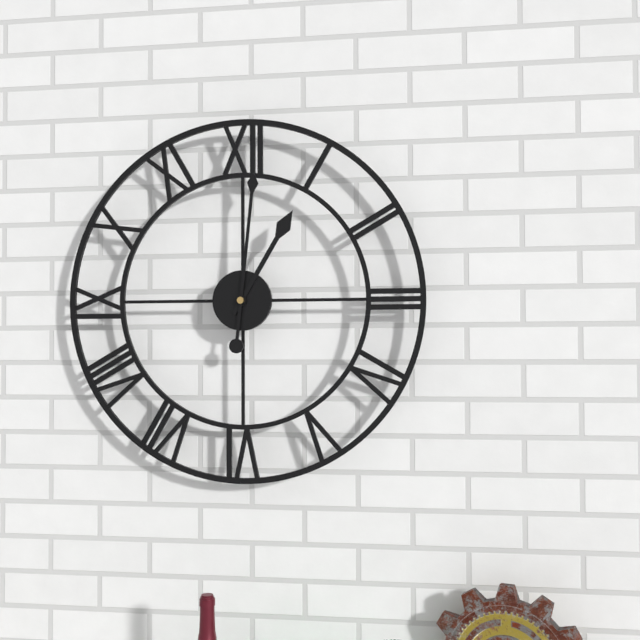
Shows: **1:01**
